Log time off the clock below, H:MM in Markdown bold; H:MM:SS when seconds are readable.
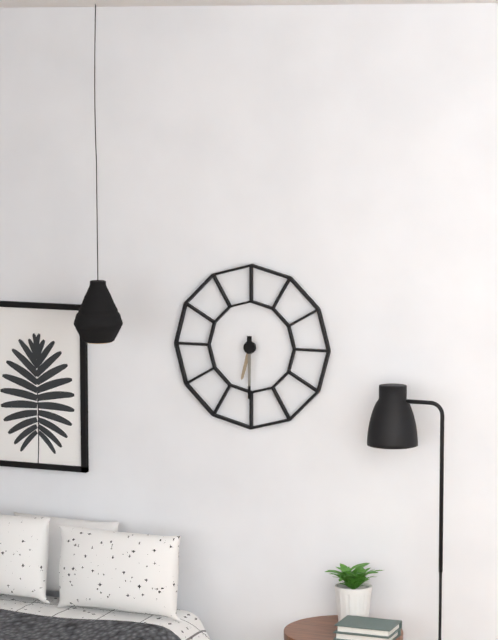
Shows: **6:30**
